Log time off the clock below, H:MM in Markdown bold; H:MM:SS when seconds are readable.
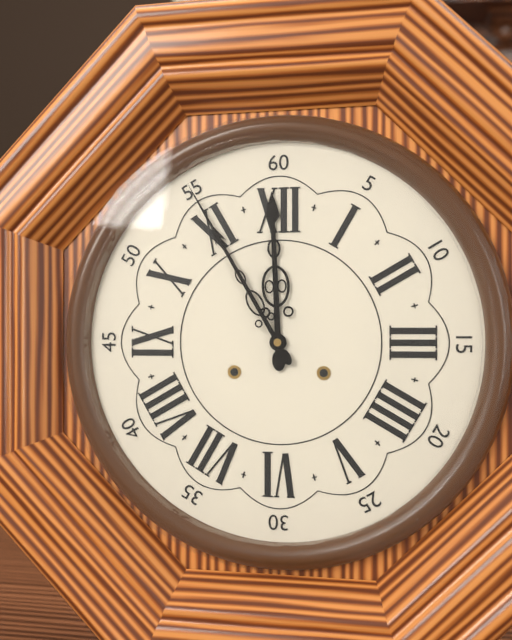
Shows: **11:55**
